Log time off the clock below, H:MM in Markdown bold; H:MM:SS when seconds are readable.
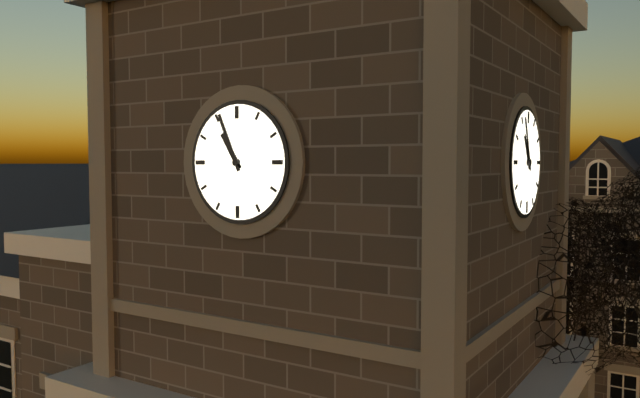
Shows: **10:56**
